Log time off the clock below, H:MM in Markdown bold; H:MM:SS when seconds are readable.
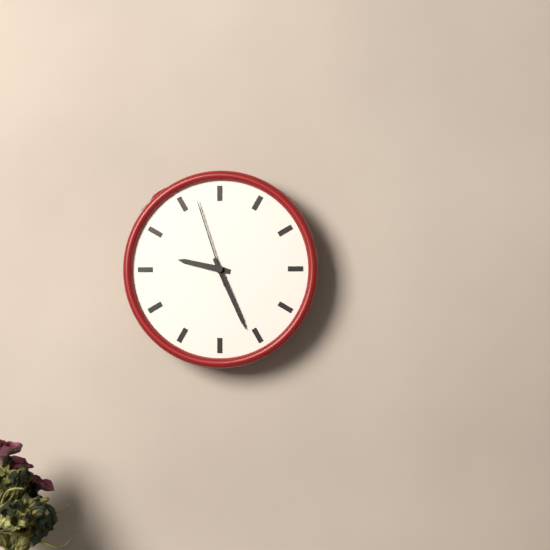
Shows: **9:26:57**
